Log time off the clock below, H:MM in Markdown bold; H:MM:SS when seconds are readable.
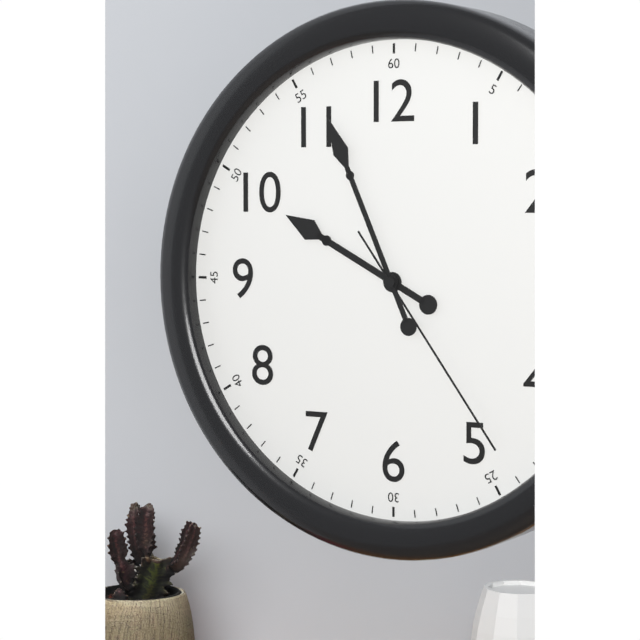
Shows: **9:56:24**
